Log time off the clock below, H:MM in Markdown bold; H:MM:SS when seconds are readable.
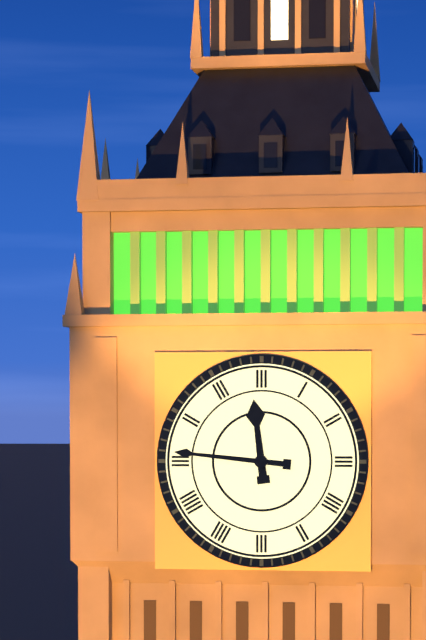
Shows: **11:46**
